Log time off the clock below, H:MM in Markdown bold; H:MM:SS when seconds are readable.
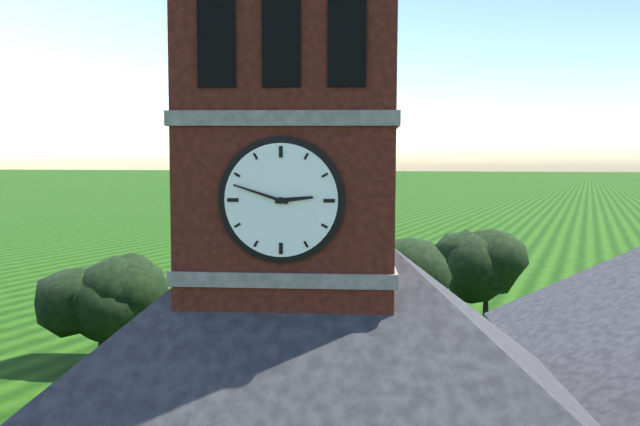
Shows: **2:48**
